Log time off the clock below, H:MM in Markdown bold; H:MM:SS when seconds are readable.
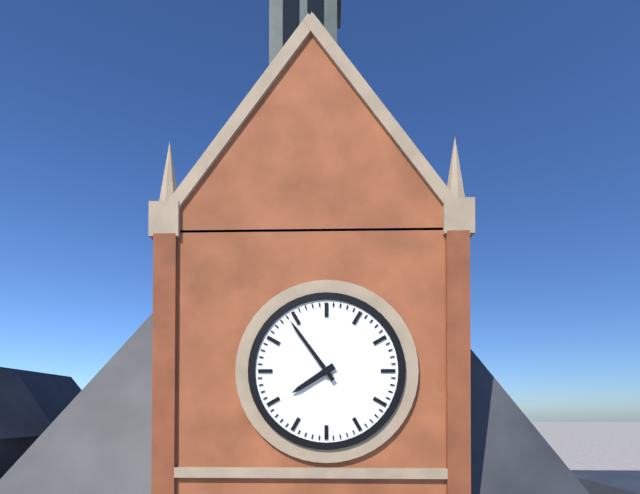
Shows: **7:54**
